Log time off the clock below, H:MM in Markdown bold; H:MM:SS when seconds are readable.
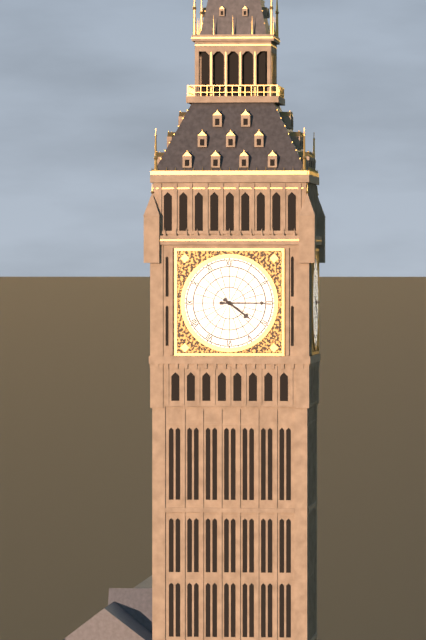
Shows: **4:15**
